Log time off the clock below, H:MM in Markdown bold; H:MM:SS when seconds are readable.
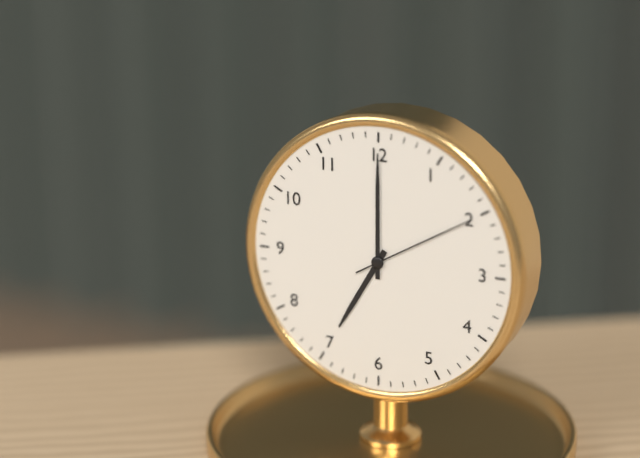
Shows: **7:00:10**
